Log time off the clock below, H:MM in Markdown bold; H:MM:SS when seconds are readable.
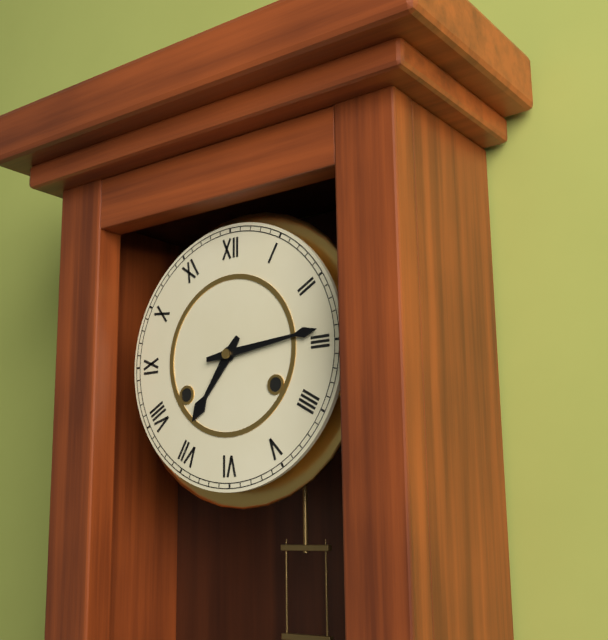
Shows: **7:14**
